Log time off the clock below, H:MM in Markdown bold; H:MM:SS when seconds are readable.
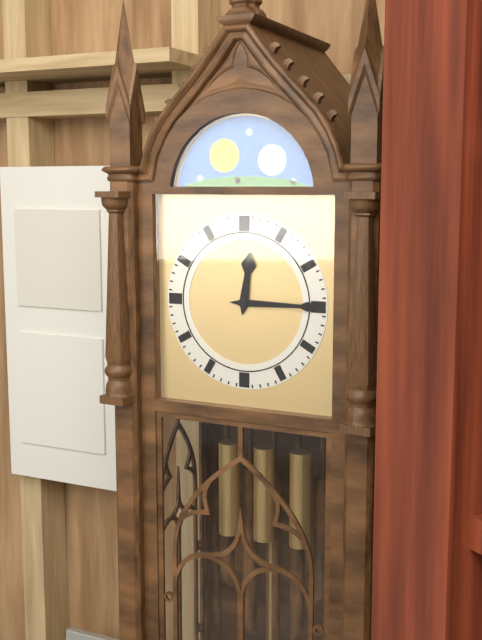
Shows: **12:15**
